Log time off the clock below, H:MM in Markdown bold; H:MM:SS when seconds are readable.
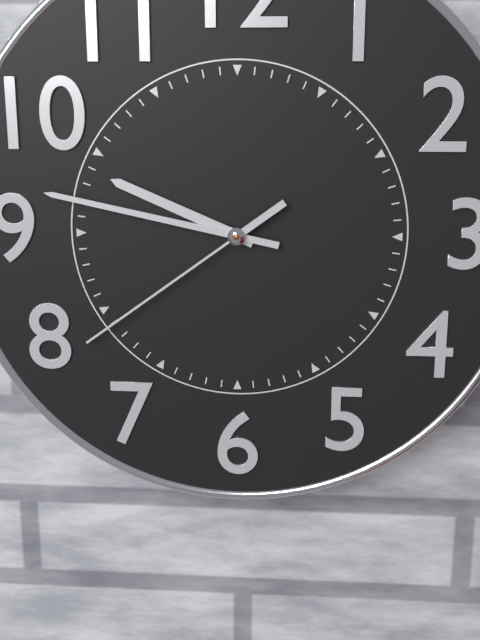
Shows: **9:47:39**
